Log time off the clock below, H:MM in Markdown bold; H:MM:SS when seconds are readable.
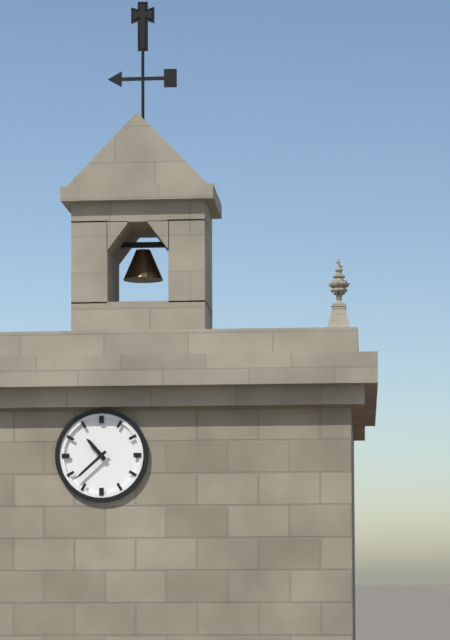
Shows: **10:38**
